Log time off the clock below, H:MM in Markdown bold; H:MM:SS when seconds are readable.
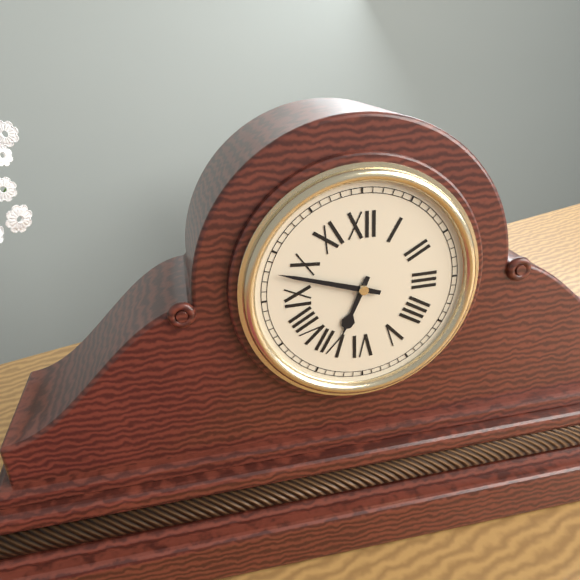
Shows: **6:48**
